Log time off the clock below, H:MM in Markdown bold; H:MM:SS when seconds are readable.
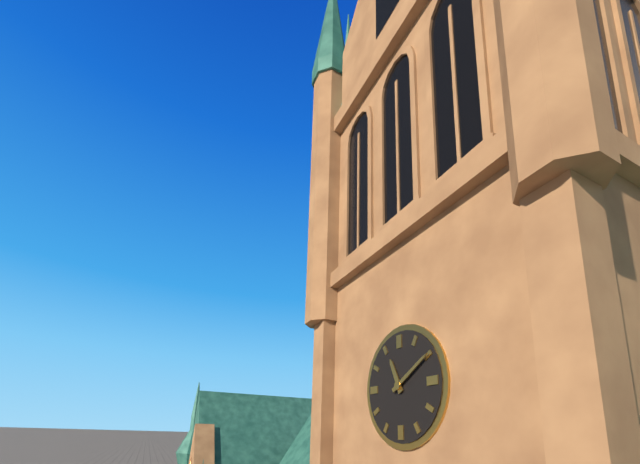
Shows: **11:10**
